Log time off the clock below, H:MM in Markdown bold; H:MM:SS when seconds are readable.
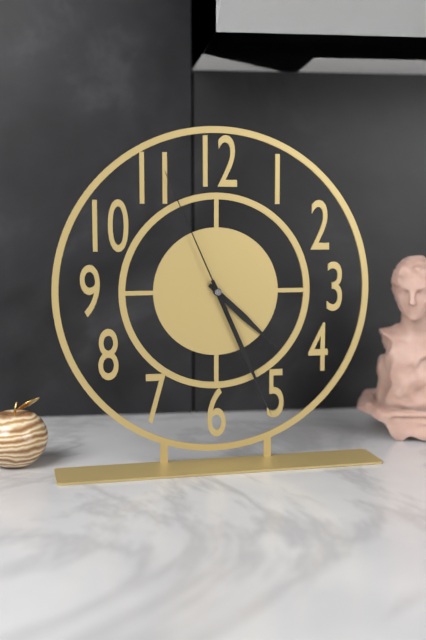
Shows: **4:26:56**
